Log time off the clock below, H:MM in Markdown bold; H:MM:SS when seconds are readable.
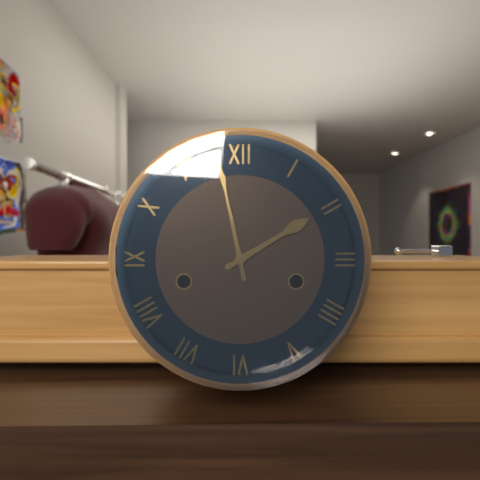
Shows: **1:58**
